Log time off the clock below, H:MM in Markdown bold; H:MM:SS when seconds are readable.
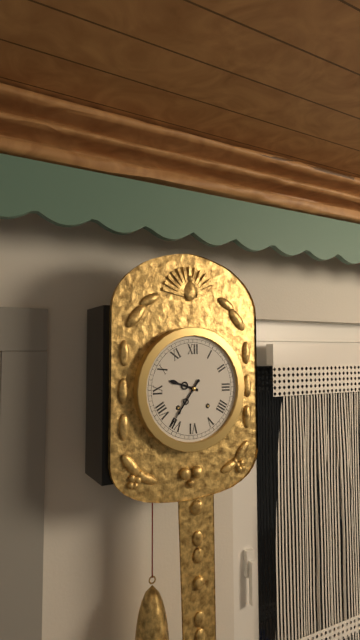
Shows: **9:36**
